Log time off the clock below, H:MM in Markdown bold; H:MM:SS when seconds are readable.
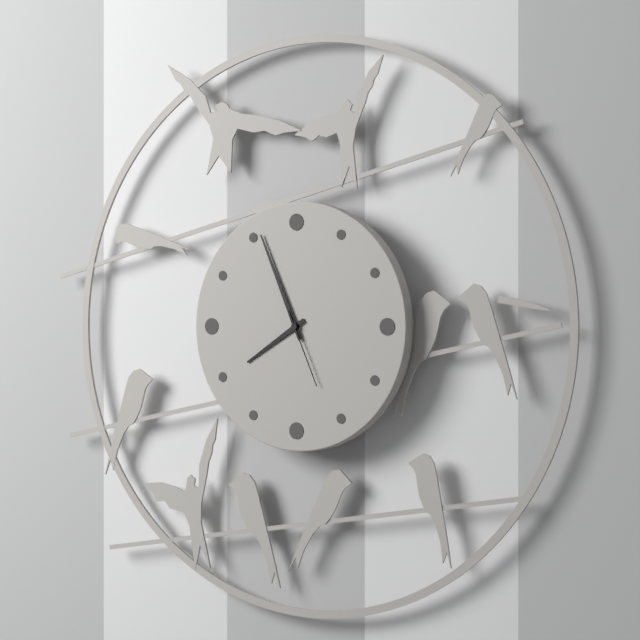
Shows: **7:56:26**
